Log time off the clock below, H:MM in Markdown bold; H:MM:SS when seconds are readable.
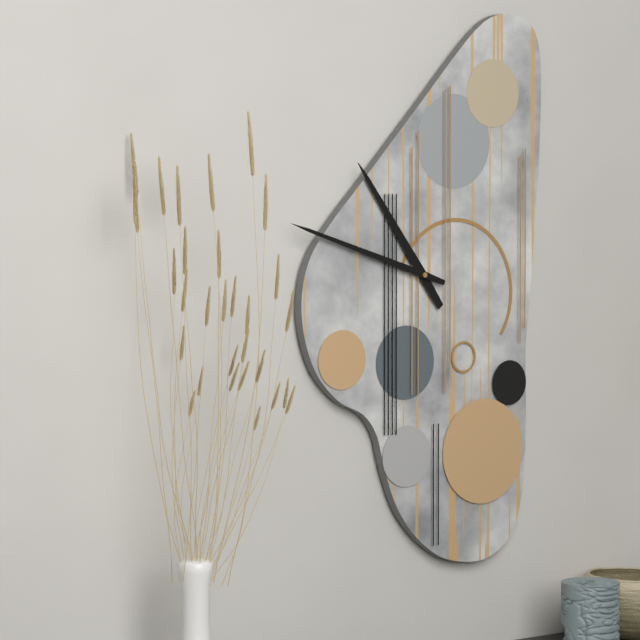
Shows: **10:48**
